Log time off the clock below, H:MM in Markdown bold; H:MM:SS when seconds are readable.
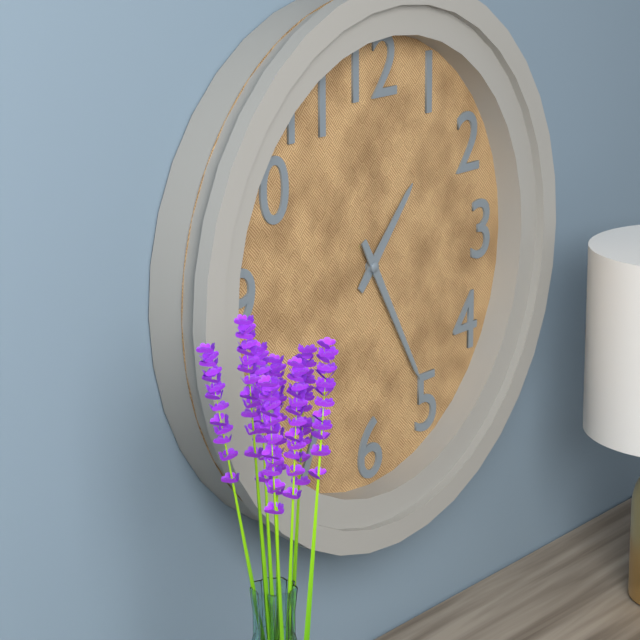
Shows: **1:25**
